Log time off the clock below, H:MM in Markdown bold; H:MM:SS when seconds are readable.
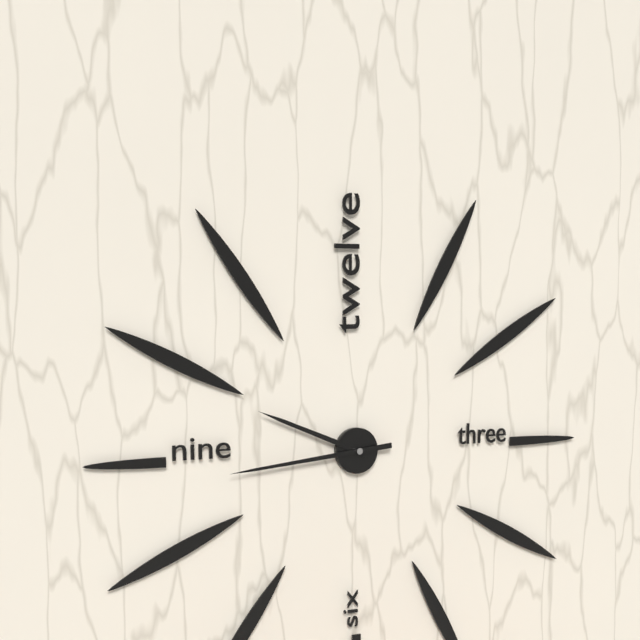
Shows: **9:44**
